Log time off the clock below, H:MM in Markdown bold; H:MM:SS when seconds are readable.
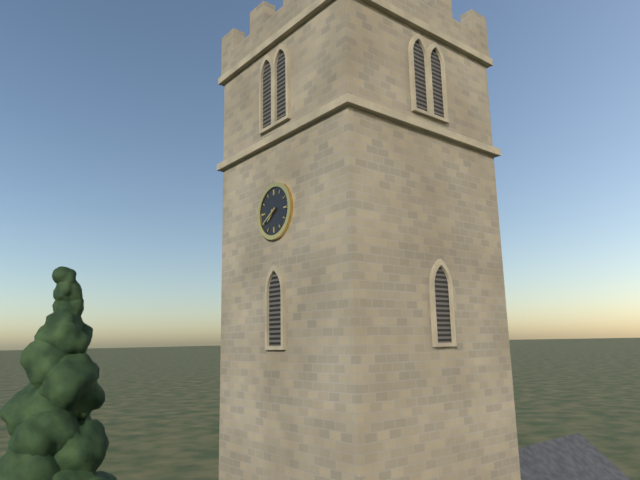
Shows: **7:40**
